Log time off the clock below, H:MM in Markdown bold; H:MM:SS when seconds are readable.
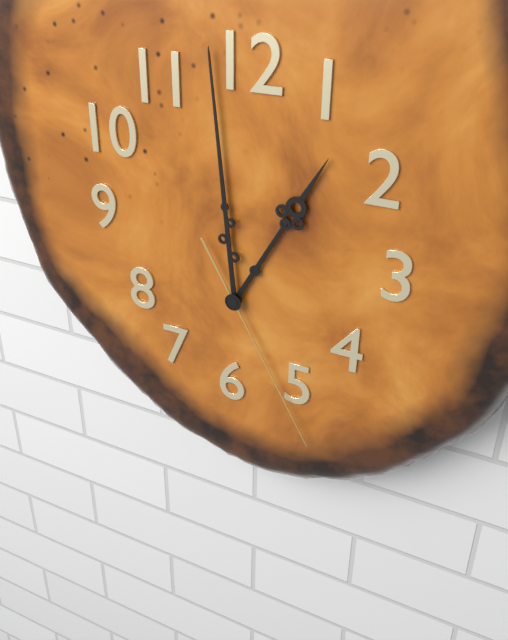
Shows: **12:59:25**
